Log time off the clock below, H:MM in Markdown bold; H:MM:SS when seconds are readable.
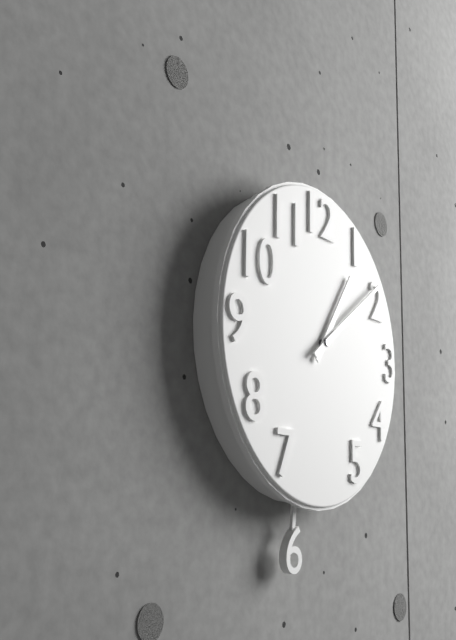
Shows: **1:09**
